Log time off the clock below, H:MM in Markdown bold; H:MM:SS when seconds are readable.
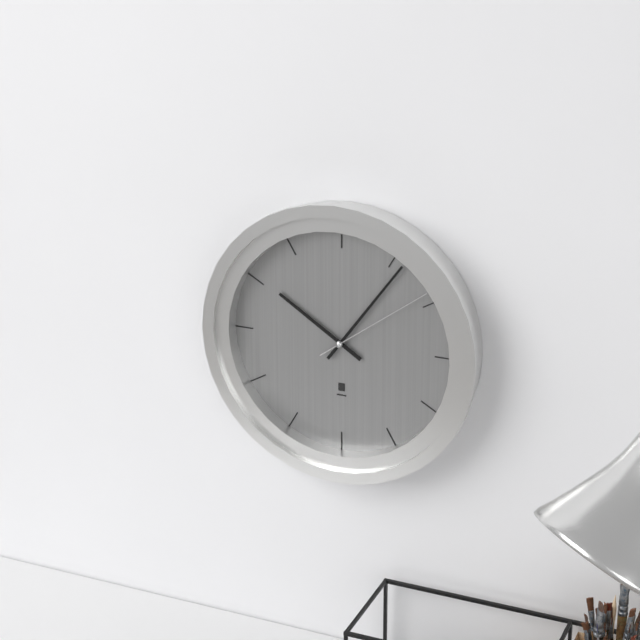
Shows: **10:06:09**
